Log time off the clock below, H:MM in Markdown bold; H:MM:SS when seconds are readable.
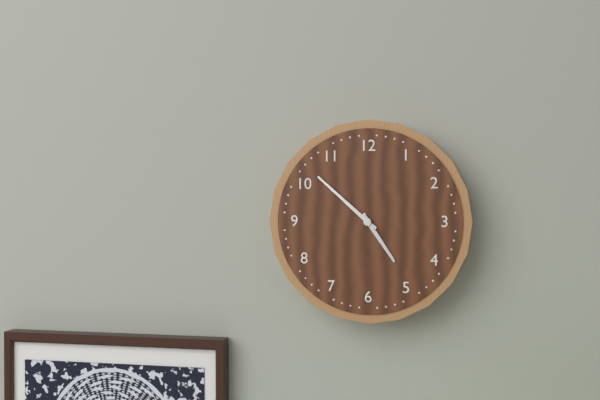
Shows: **4:52**
